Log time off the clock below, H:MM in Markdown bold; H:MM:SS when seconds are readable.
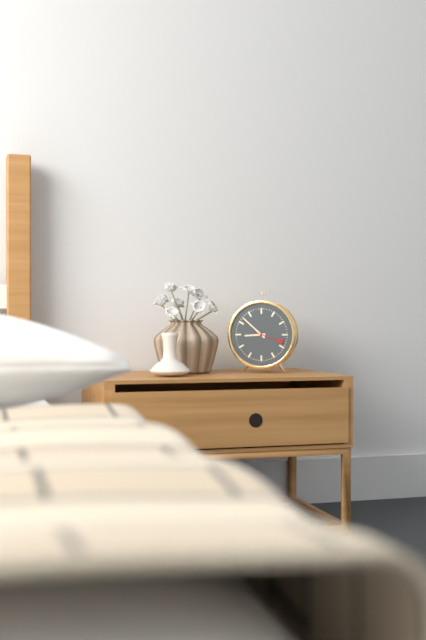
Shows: **8:52**
